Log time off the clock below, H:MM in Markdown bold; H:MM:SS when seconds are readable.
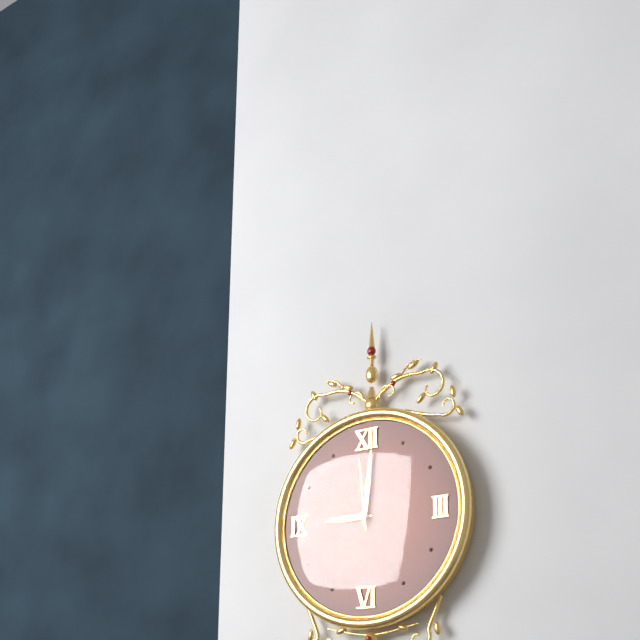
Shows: **9:01:59**
